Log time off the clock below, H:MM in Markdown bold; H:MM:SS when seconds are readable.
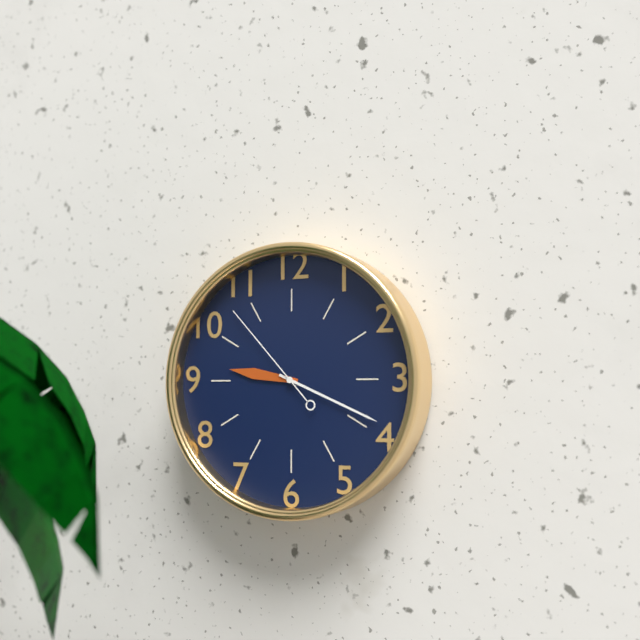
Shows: **9:19:53**
